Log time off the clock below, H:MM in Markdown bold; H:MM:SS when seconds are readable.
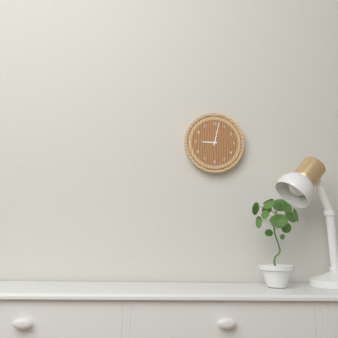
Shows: **9:02**
